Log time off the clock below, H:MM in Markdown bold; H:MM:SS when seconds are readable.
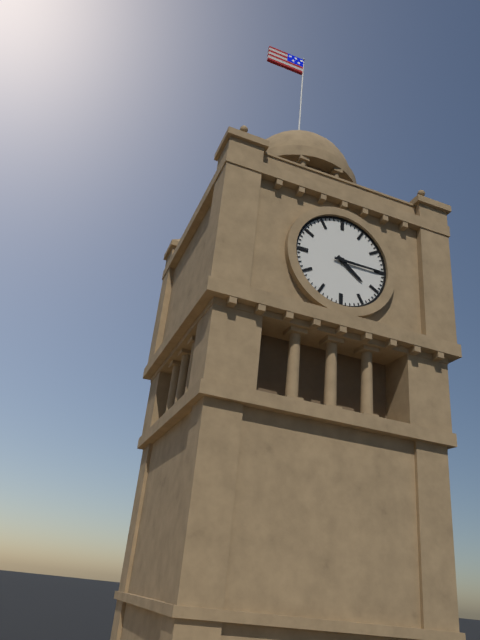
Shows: **4:15**
